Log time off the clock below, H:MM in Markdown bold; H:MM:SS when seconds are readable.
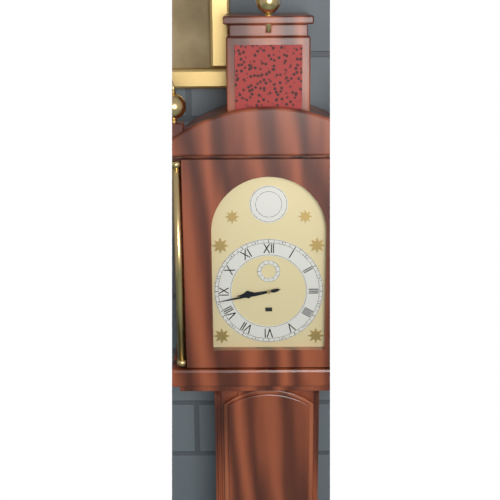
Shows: **8:43**
